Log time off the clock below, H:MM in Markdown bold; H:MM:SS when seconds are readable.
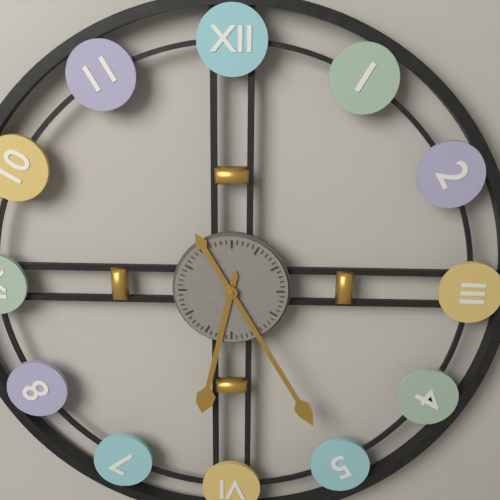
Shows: **6:25**
